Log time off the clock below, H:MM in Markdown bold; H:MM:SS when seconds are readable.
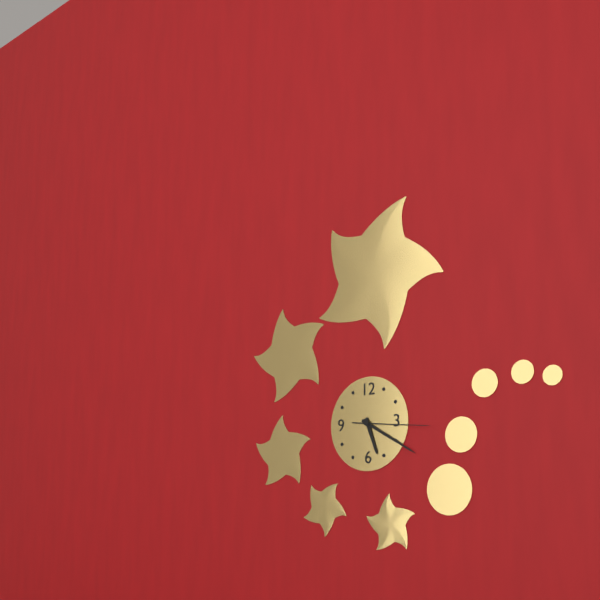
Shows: **5:20:16**
